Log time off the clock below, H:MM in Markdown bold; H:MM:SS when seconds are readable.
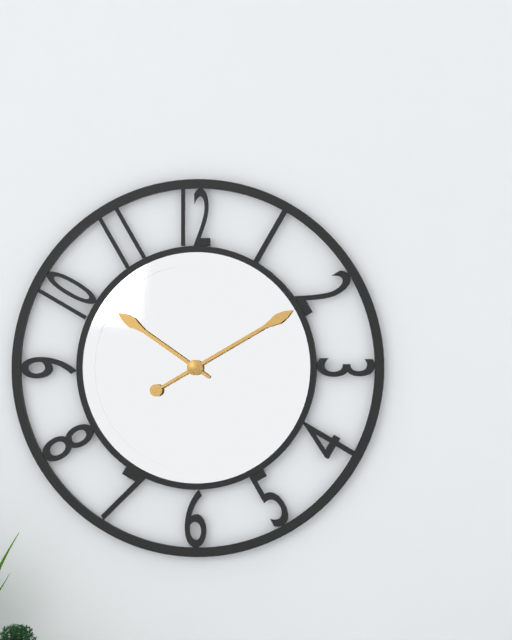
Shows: **10:10**
